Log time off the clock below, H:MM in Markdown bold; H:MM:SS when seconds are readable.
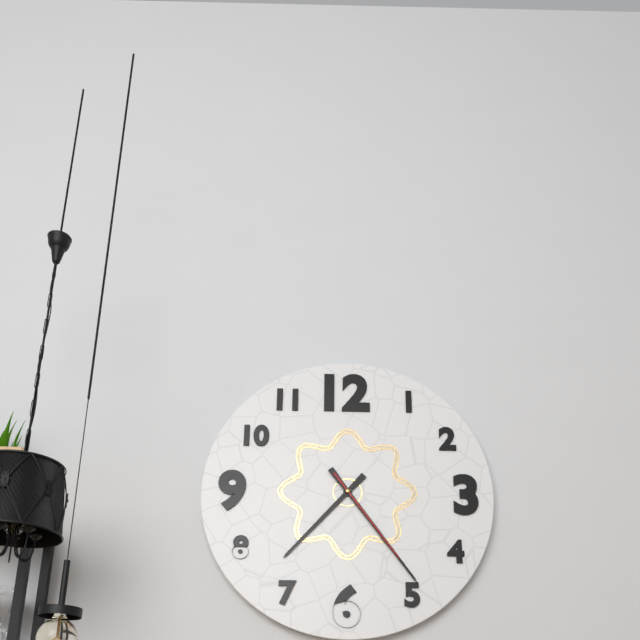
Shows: **7:24:24**
